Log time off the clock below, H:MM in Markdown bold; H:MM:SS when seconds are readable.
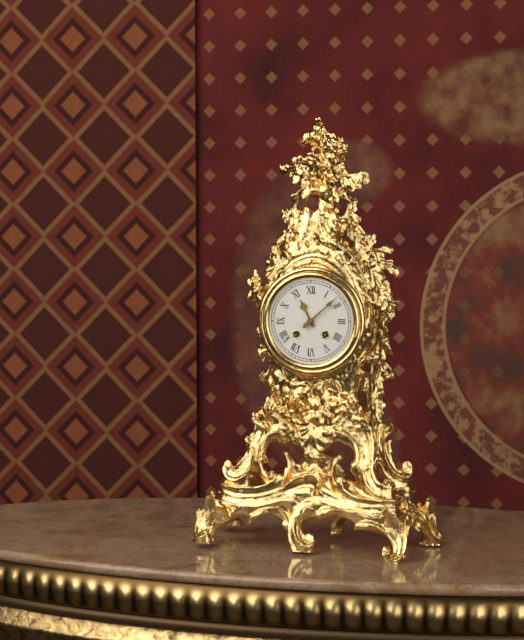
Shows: **11:08**
